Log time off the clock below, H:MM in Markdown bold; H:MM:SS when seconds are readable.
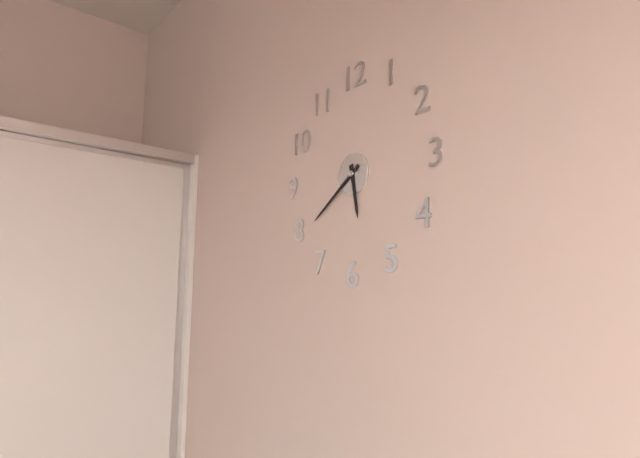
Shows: **5:39**
